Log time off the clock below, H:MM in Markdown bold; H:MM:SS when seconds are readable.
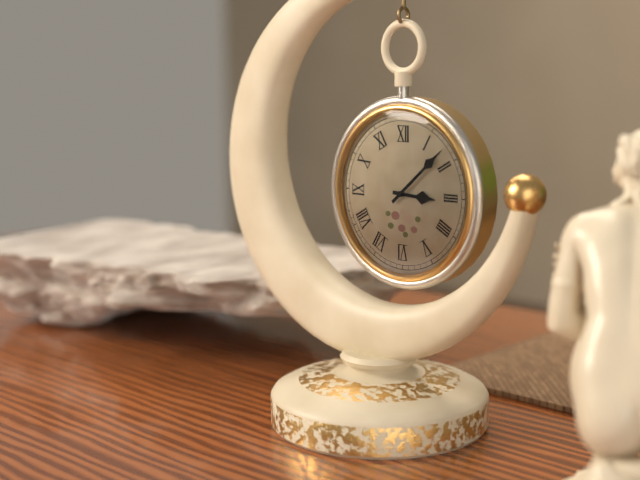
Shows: **3:08**
